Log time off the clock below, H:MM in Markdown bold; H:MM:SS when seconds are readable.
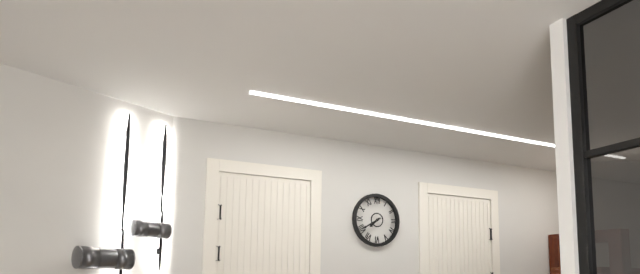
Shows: **7:40**
